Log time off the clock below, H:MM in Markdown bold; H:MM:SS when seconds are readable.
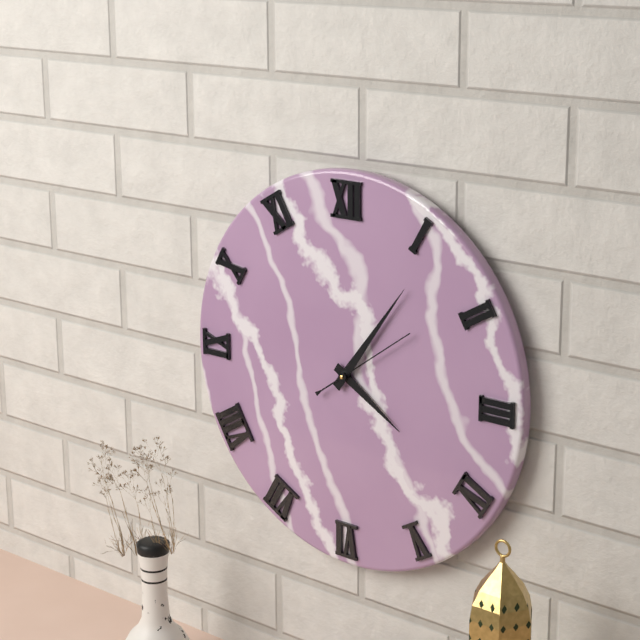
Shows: **4:06:09**
